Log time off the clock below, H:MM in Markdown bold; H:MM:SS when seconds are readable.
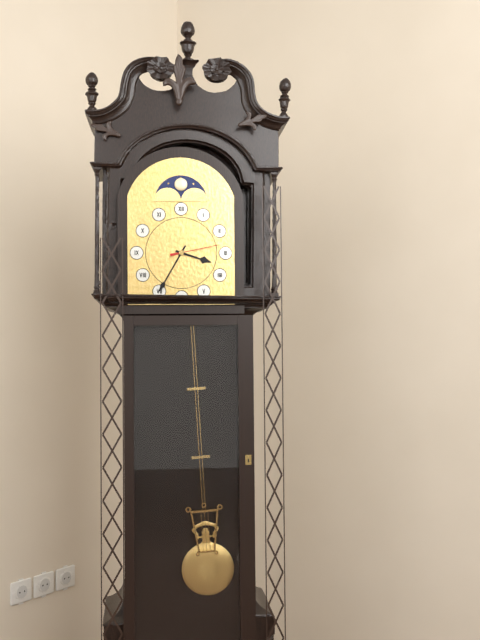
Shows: **3:35**
